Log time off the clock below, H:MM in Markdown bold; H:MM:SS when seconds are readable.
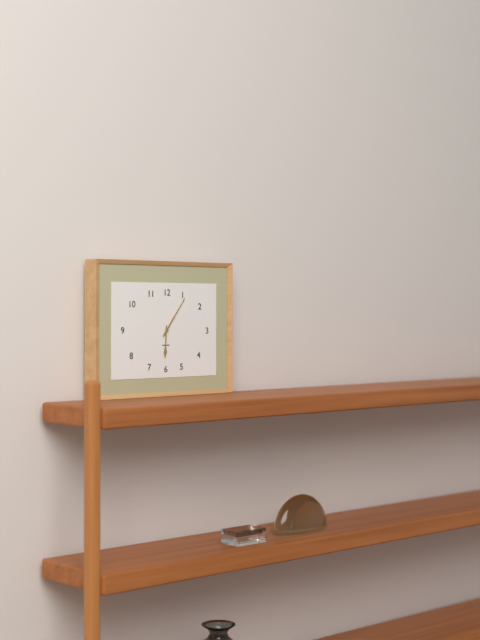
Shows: **6:06**
